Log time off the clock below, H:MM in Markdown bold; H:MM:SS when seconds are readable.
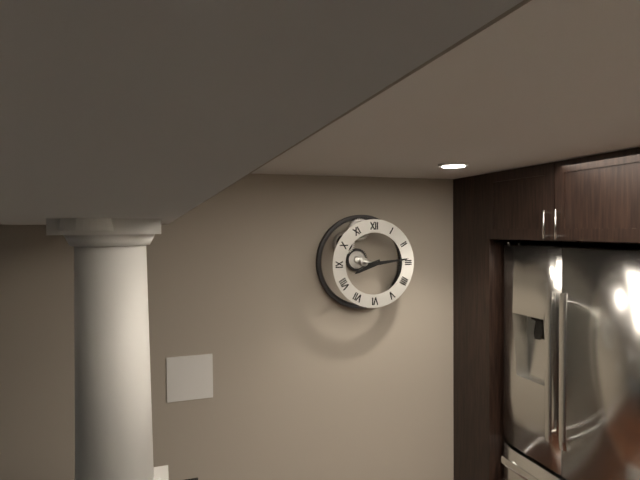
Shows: **8:14**
